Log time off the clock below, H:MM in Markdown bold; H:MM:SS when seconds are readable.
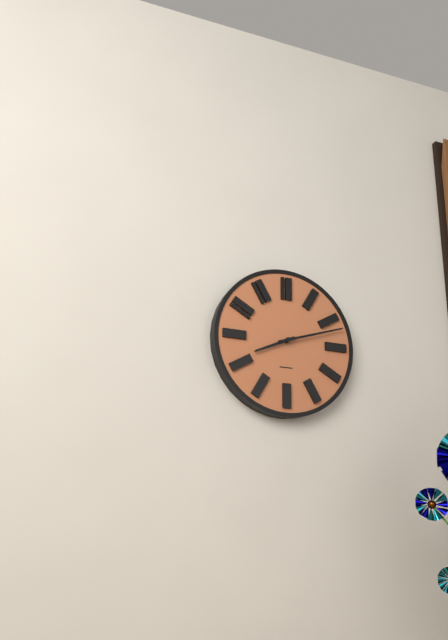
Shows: **8:12**
